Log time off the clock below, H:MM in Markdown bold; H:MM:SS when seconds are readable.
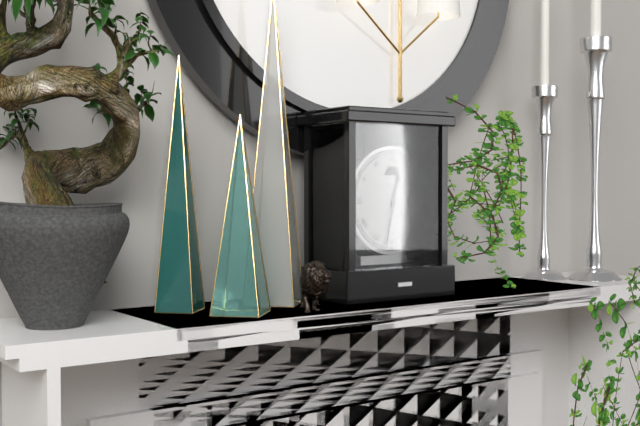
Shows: **12:32**
